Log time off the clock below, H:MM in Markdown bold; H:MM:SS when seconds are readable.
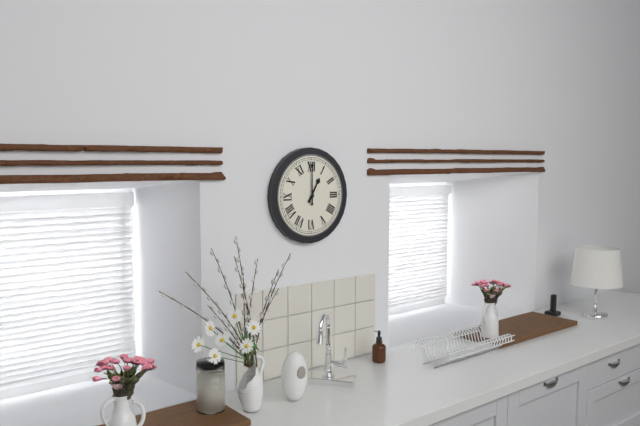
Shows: **1:00**
